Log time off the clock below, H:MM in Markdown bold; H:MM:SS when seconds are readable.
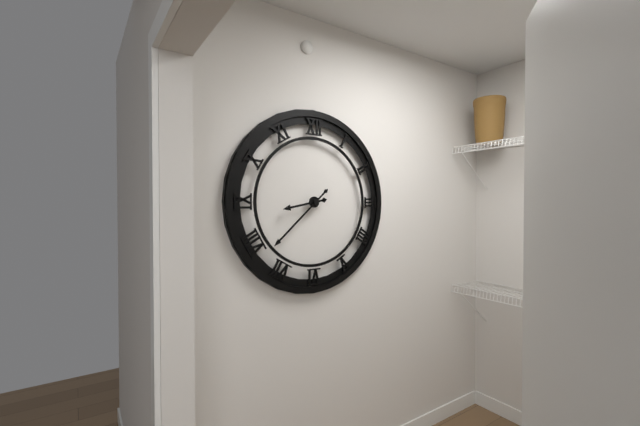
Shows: **8:38**
